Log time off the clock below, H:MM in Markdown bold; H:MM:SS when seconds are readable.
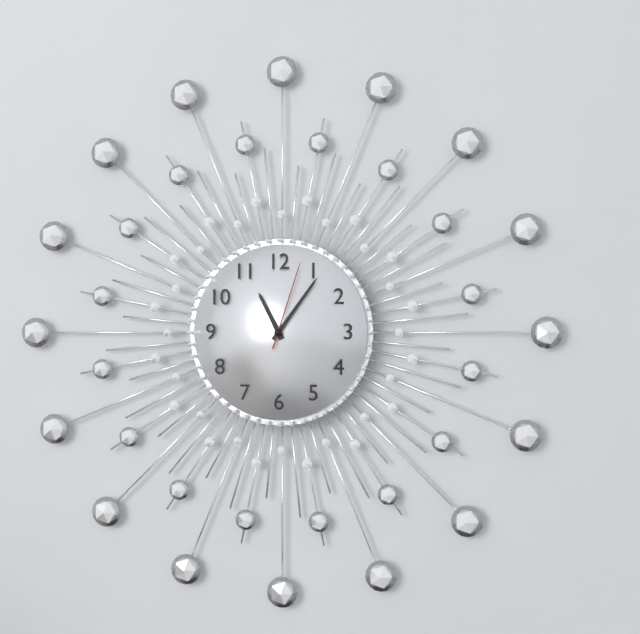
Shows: **11:06:03**
